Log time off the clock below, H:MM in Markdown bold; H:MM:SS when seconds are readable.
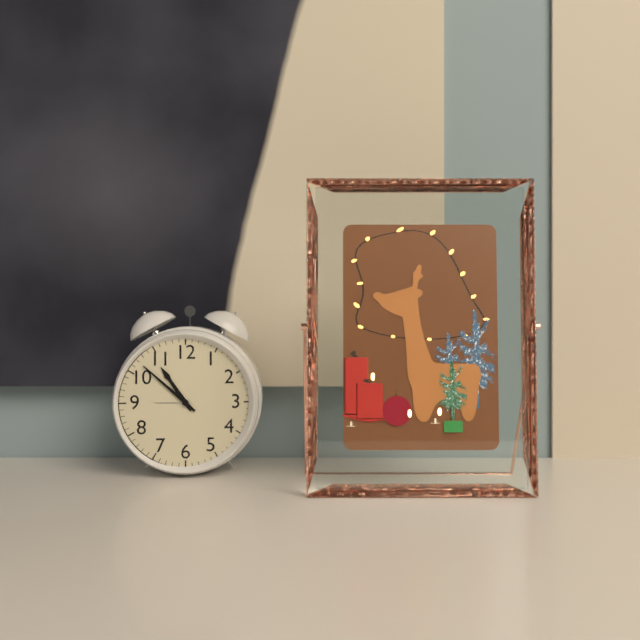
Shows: **10:52**
